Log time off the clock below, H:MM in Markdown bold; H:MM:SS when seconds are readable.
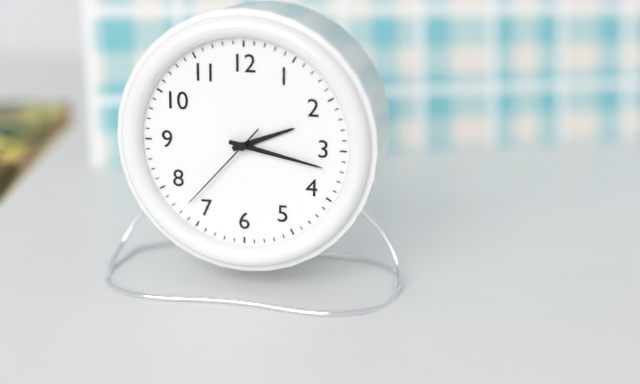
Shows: **2:17:37**
